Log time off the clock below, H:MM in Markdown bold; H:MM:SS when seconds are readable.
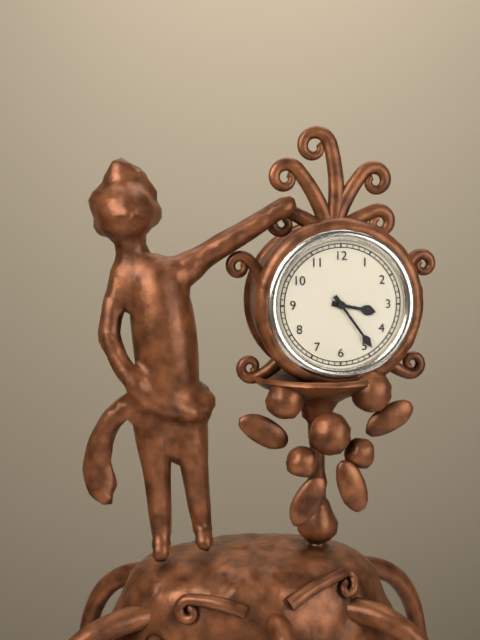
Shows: **3:24**
